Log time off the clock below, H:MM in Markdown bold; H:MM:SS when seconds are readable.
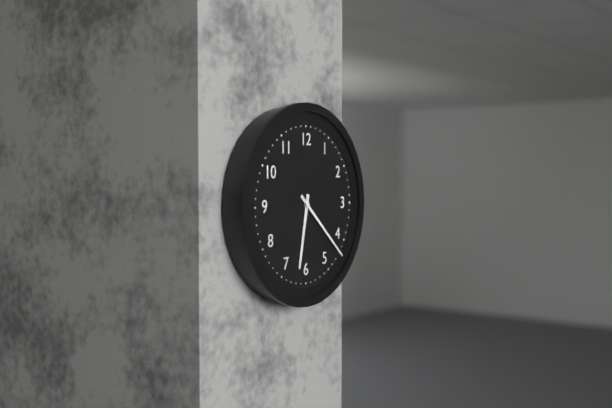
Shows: **6:22**
